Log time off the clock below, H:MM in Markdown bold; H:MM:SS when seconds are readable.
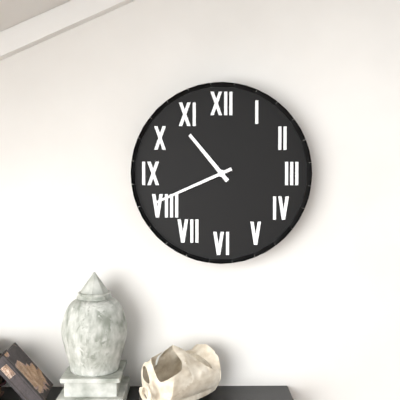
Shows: **10:41**
